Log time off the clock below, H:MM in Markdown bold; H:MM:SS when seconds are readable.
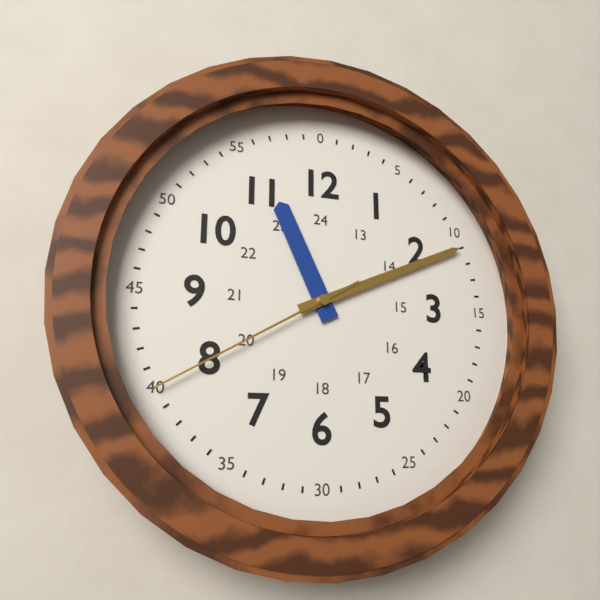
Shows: **11:11:40**
